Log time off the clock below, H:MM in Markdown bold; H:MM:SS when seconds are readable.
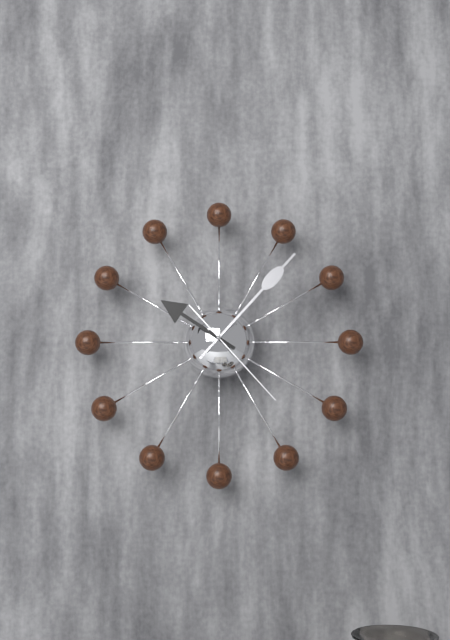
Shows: **10:07:23**
